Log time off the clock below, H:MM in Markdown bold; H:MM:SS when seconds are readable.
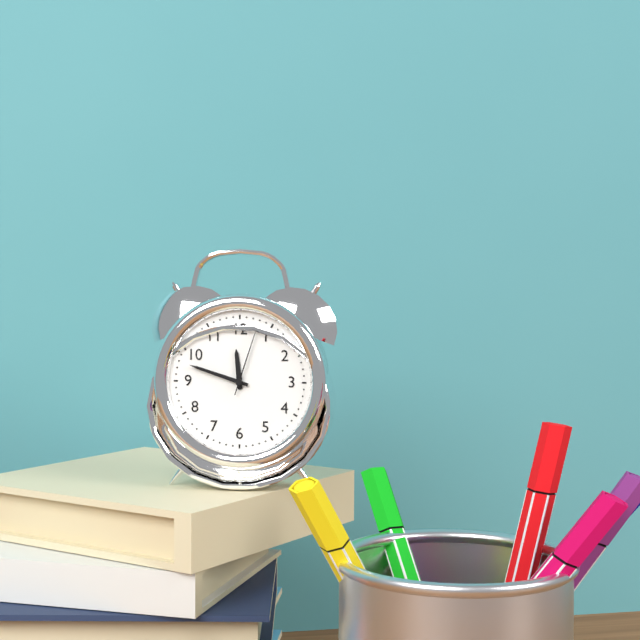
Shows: **11:48:03**
